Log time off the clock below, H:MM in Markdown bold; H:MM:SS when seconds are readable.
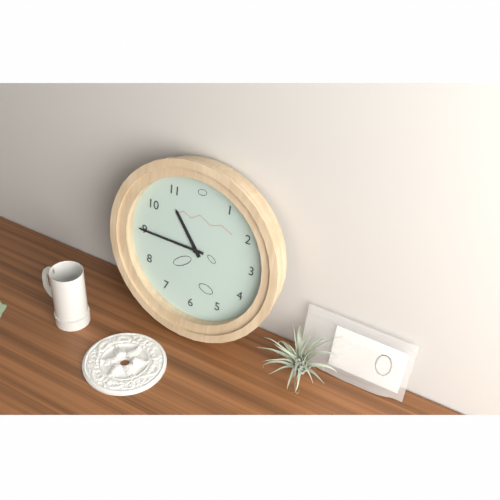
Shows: **10:45**
